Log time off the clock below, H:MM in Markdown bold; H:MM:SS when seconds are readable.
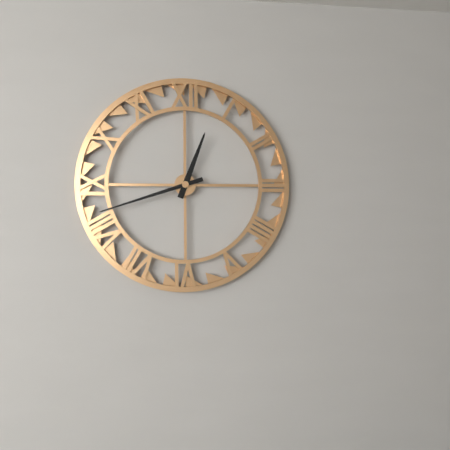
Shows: **12:42**
